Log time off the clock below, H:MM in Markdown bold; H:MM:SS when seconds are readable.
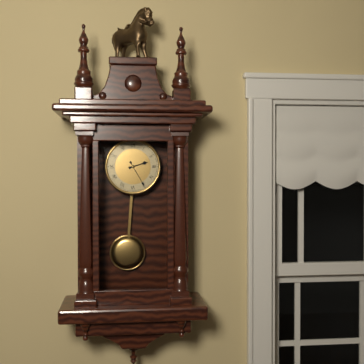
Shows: **2:25**
